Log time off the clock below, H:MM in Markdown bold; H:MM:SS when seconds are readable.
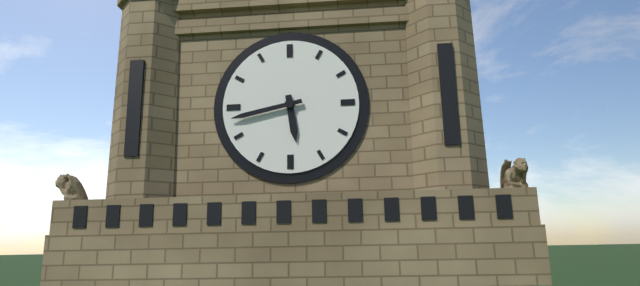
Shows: **5:43**
